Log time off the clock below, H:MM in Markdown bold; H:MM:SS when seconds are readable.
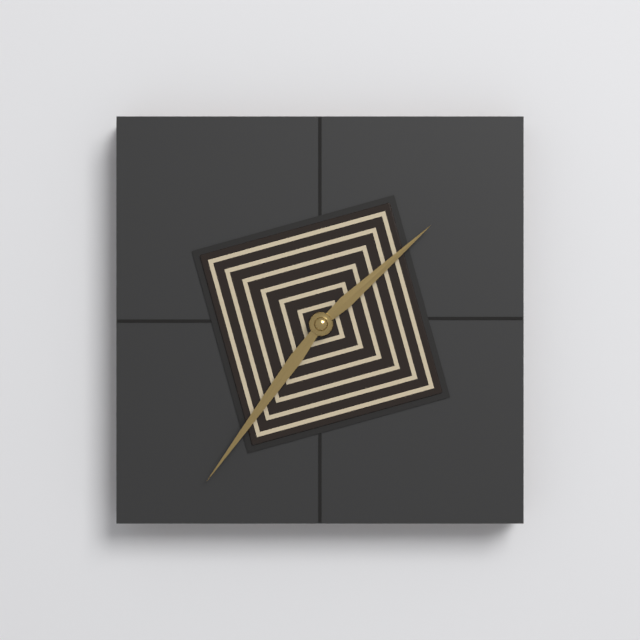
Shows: **1:36**
